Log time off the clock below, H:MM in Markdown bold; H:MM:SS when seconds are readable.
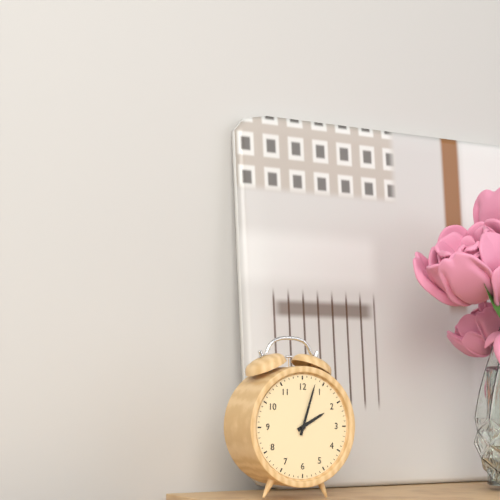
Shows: **2:03**
